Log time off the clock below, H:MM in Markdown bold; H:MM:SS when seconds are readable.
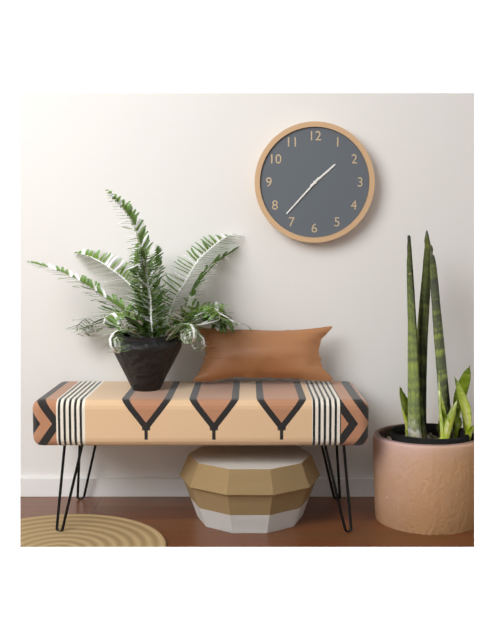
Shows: **1:37**
